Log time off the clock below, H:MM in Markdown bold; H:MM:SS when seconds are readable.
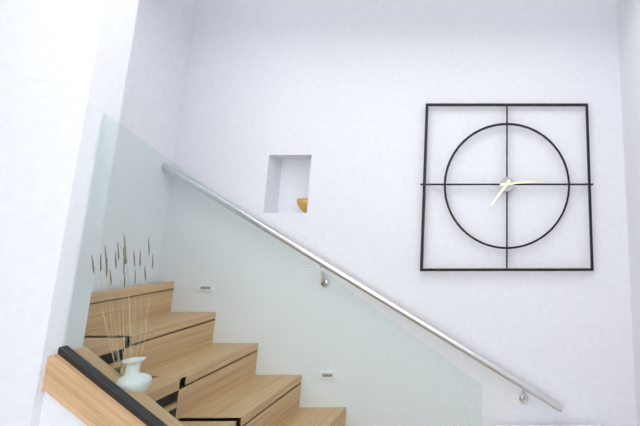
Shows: **7:14**
